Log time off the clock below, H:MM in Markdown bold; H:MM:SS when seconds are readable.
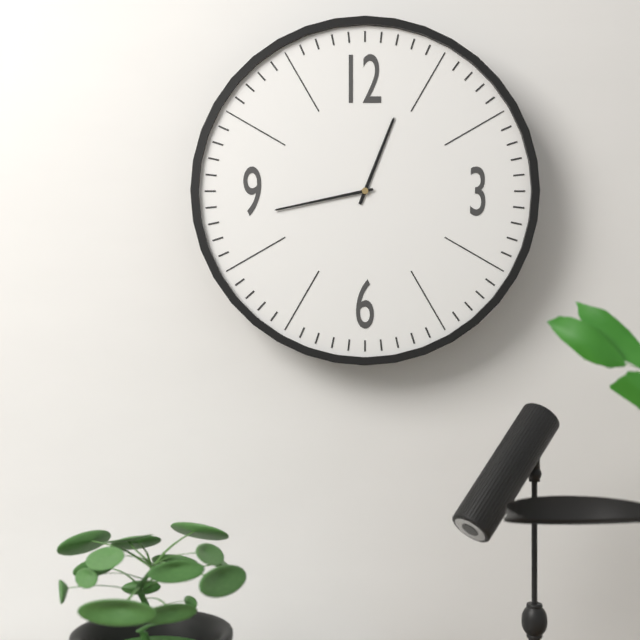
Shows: **12:43**
